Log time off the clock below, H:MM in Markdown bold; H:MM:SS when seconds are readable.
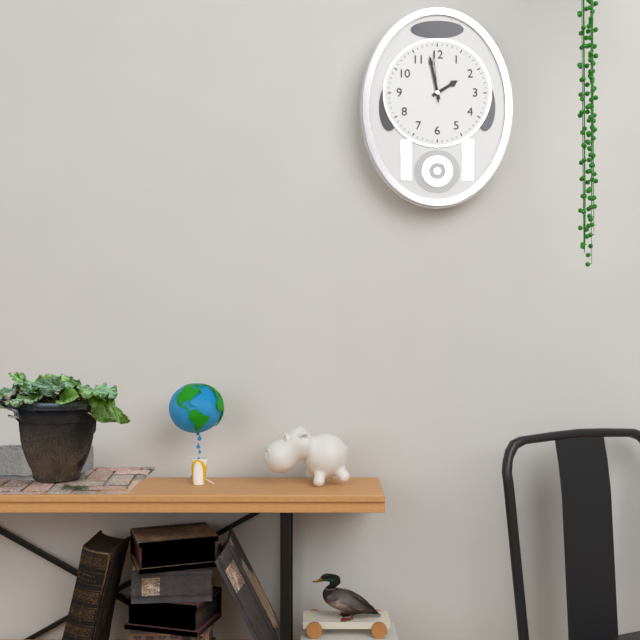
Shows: **1:58:59**
